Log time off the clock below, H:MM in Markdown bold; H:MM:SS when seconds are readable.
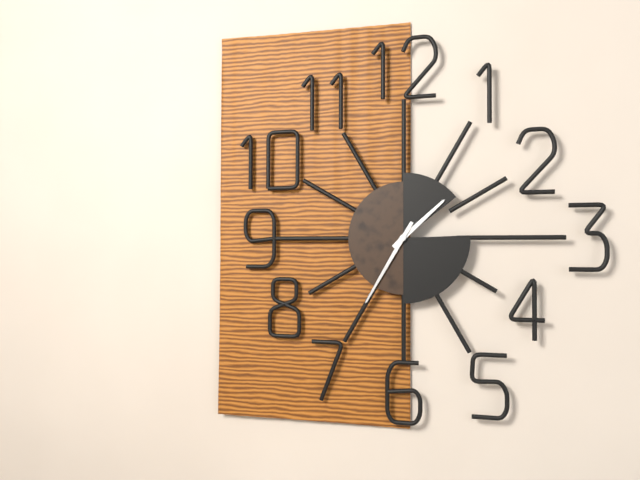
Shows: **1:35**
